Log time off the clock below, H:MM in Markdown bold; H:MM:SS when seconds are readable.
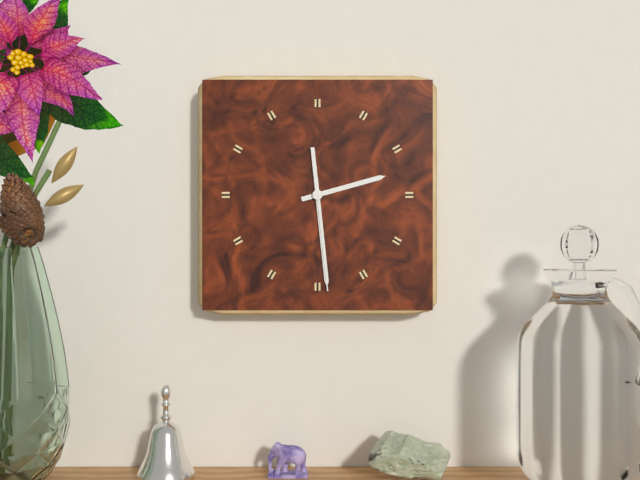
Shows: **2:29:29**
